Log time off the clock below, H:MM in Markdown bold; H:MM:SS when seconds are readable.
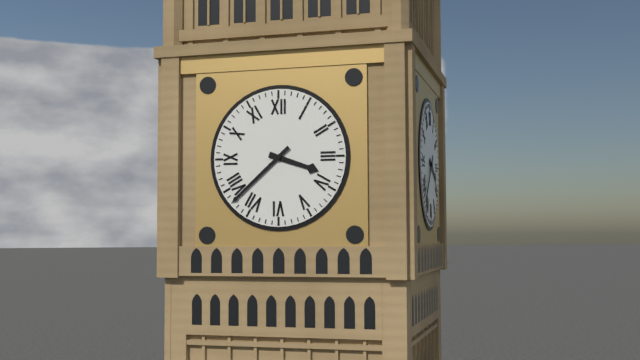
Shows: **3:38**
